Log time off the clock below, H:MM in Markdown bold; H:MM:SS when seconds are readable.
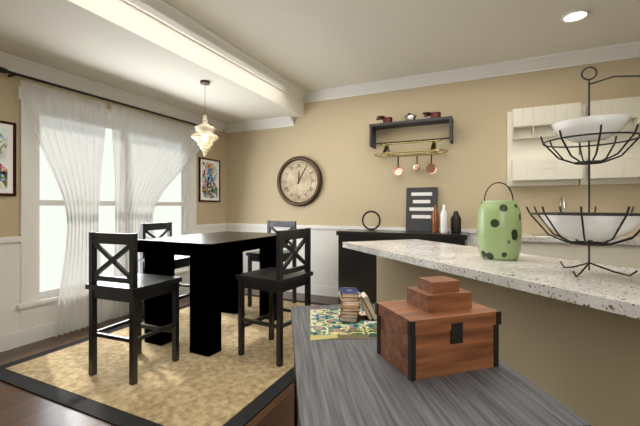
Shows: **12:05**
